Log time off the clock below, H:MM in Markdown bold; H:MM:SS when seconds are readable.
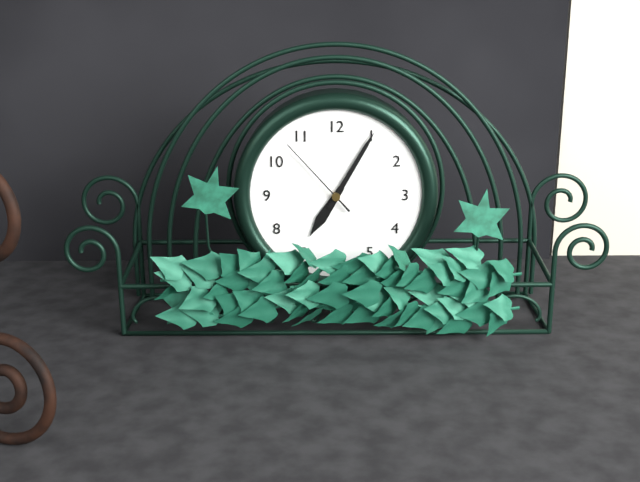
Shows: **7:05:53**
